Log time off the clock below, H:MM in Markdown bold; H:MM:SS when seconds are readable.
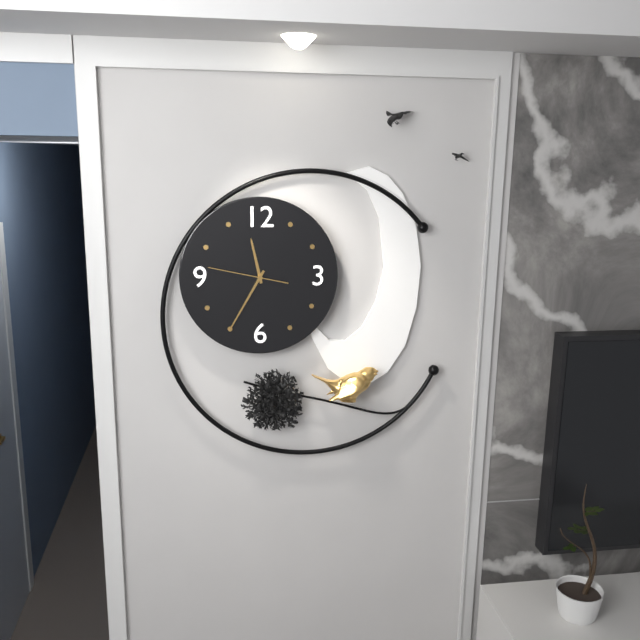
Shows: **11:35:47**
